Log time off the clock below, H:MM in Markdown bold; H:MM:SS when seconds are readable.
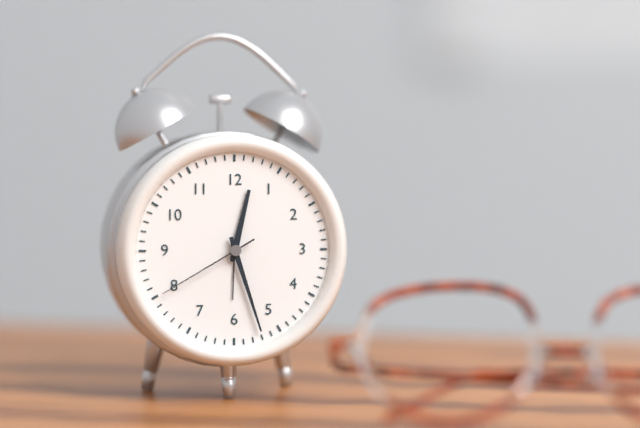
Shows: **12:27:40**
